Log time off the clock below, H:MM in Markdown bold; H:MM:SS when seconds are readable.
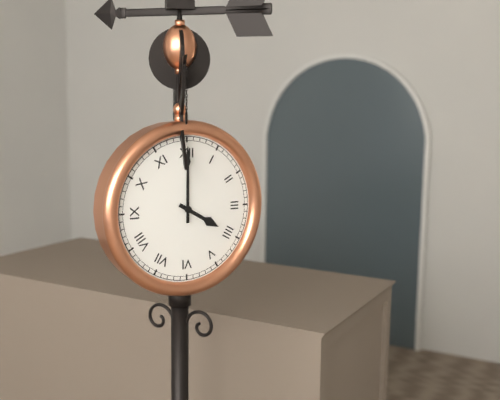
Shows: **4:00**
